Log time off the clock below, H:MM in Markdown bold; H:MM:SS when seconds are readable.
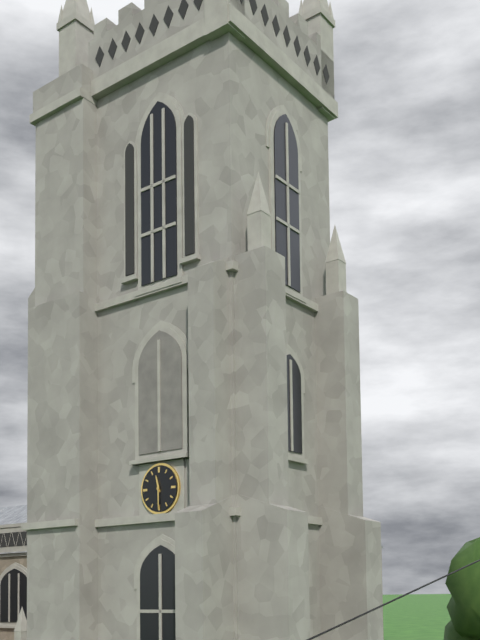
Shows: **11:30**
